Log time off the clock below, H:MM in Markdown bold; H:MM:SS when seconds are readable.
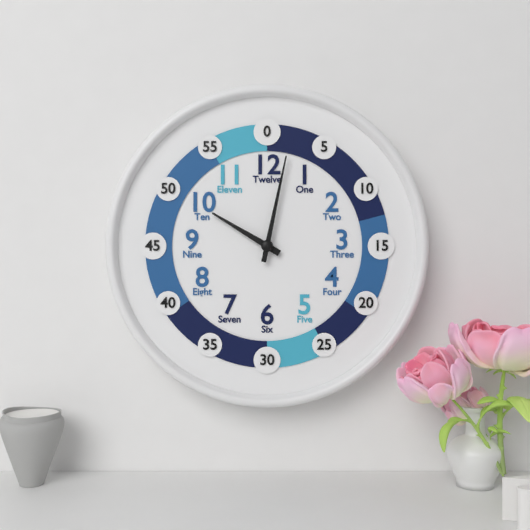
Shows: **10:02**
